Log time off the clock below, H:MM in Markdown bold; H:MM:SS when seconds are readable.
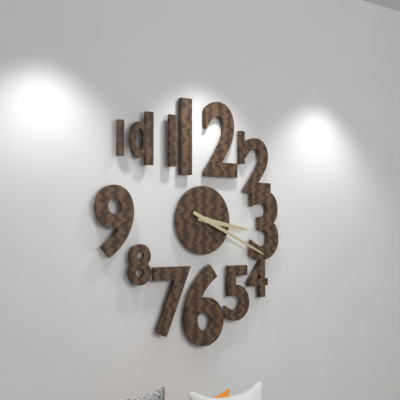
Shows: **3:19**
